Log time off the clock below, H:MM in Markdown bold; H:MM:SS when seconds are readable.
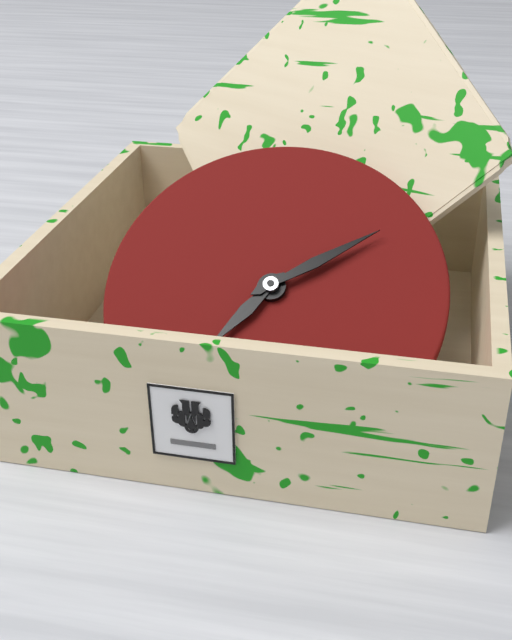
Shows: **7:09**
